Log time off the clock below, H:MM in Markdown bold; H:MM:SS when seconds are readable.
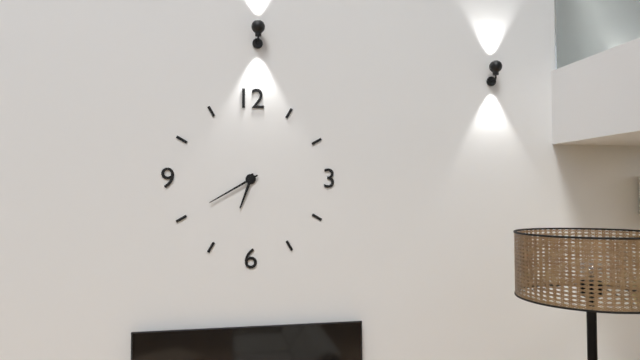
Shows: **6:40**
